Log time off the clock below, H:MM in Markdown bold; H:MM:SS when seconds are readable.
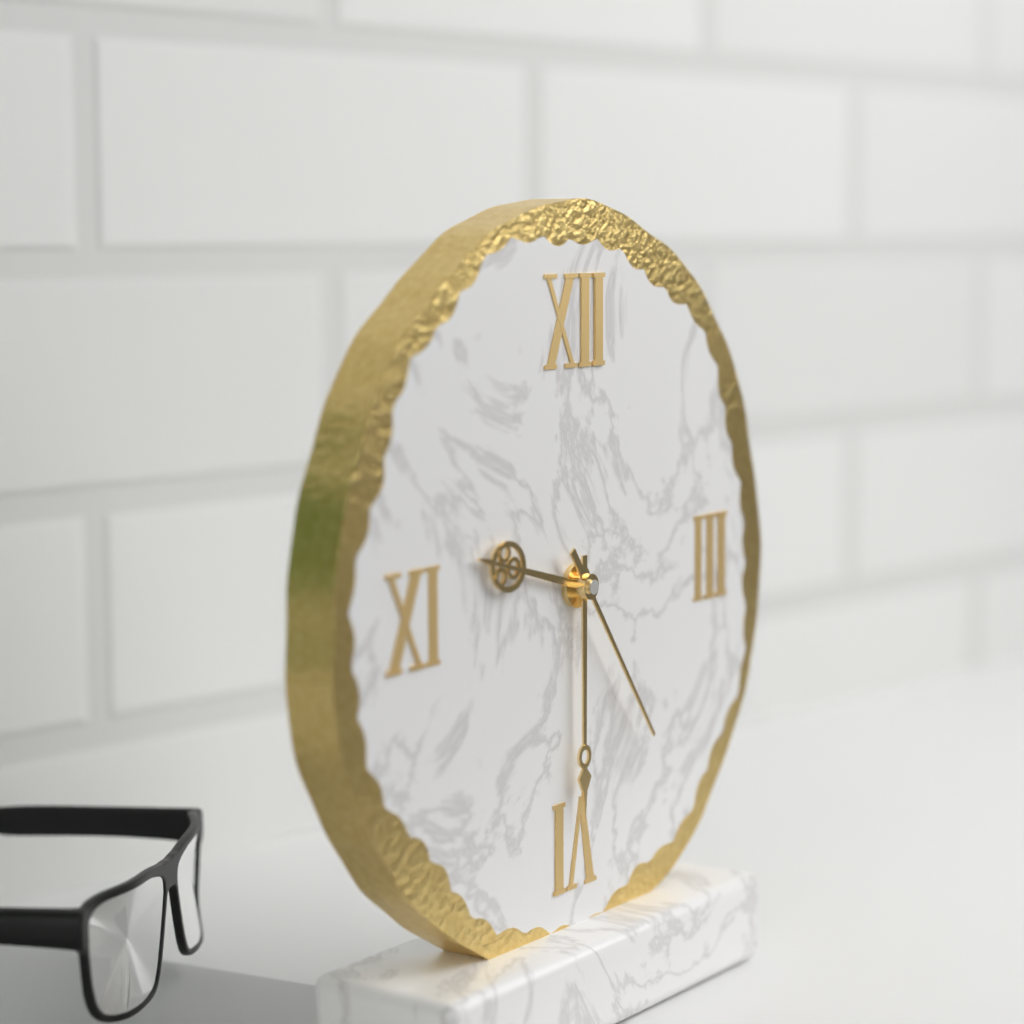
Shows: **9:30:24**
